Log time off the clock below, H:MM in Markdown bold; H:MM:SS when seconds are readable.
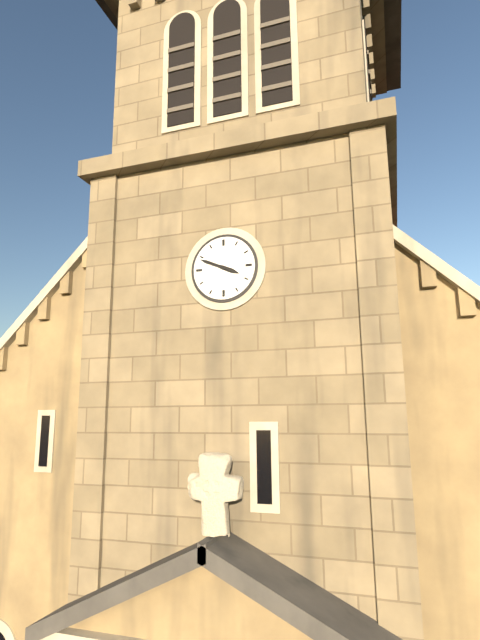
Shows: **3:49**
